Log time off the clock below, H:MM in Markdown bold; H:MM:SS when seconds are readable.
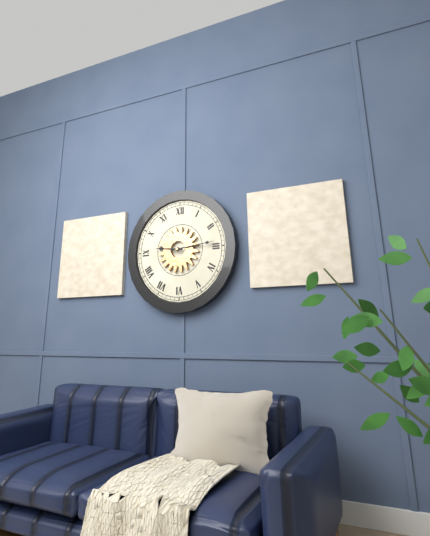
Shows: **9:14**
